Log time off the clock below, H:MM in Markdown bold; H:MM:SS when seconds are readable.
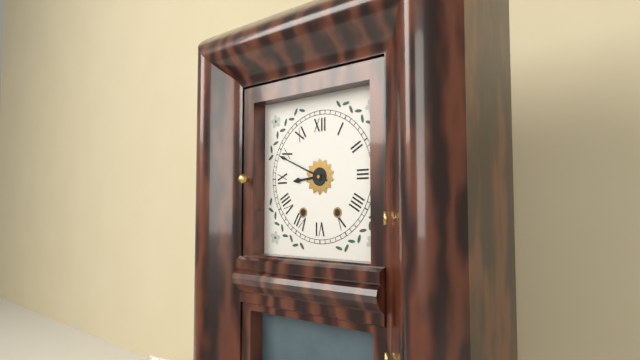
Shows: **8:49**
